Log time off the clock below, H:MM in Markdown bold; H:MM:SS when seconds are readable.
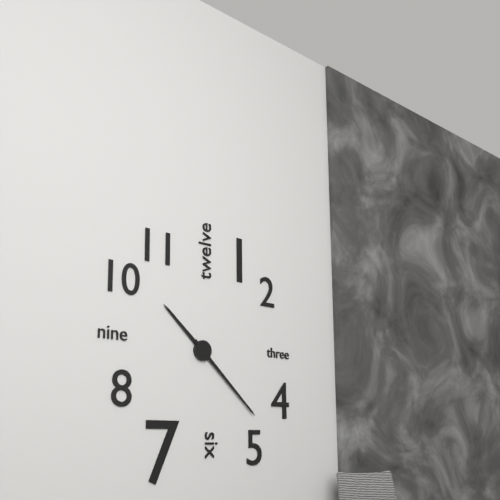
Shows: **10:22**
